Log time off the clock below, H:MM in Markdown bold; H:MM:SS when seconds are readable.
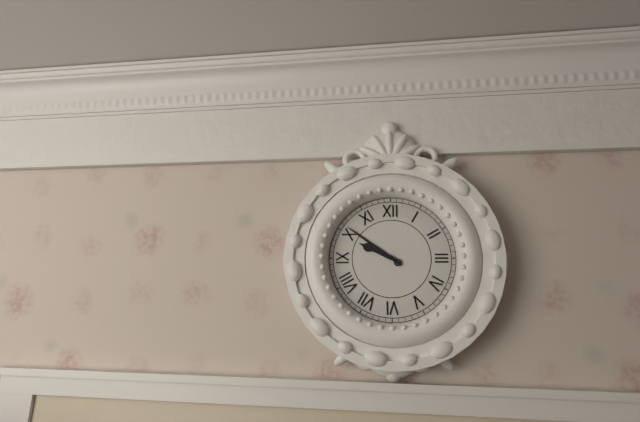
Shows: **9:51**
